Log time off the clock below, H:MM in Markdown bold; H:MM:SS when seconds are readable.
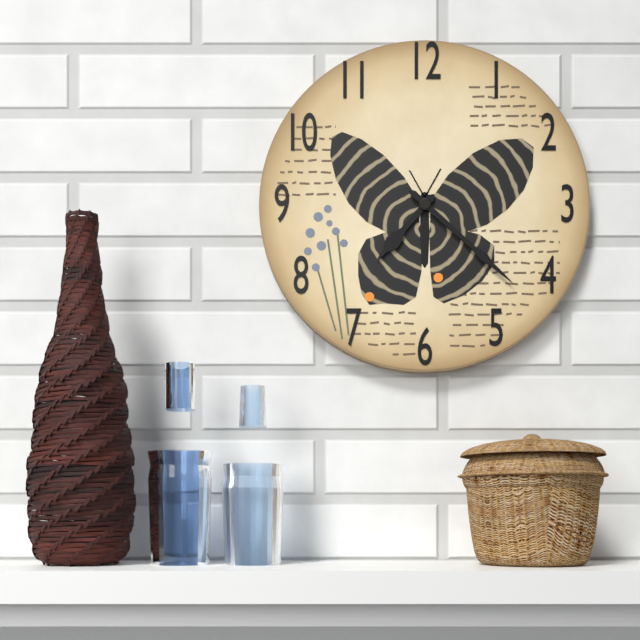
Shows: **7:22**
